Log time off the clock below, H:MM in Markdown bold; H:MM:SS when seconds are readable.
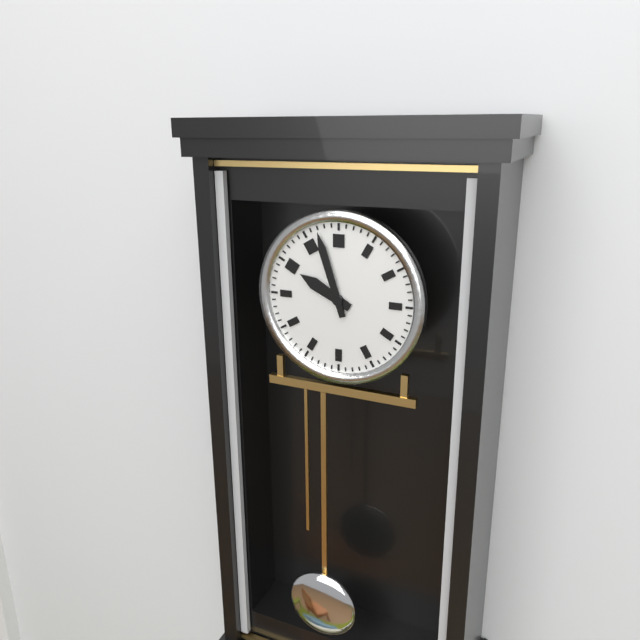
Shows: **9:57**
